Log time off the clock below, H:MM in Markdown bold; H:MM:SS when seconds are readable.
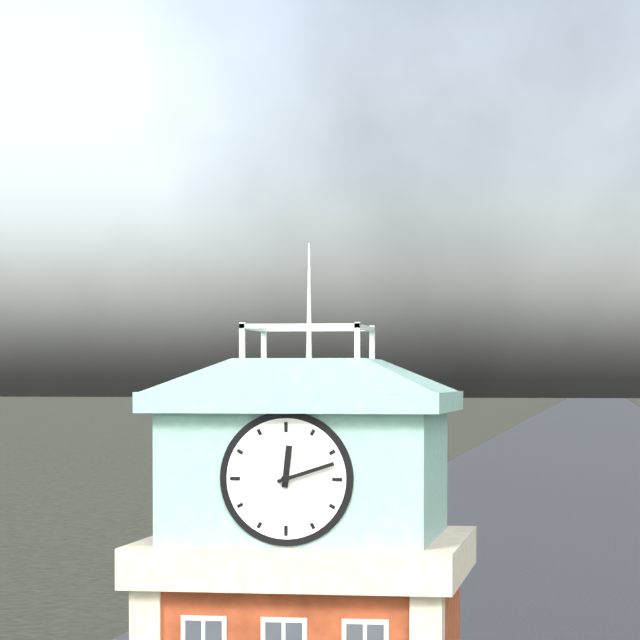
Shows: **12:12**
